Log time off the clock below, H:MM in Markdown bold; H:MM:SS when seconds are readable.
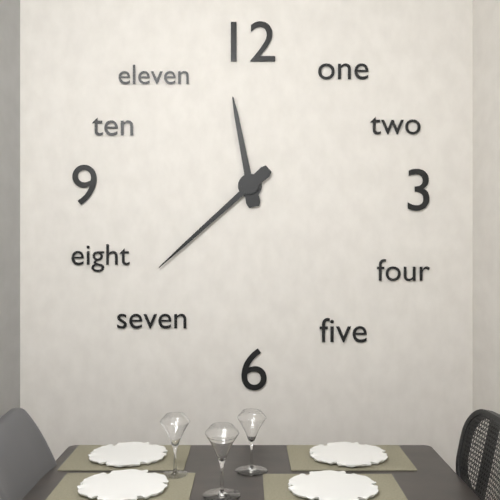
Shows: **11:38**
